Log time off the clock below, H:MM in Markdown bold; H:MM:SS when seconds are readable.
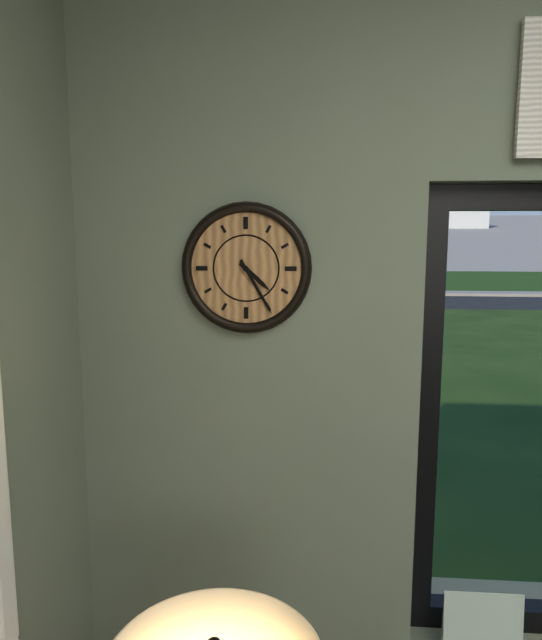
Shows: **4:25**
